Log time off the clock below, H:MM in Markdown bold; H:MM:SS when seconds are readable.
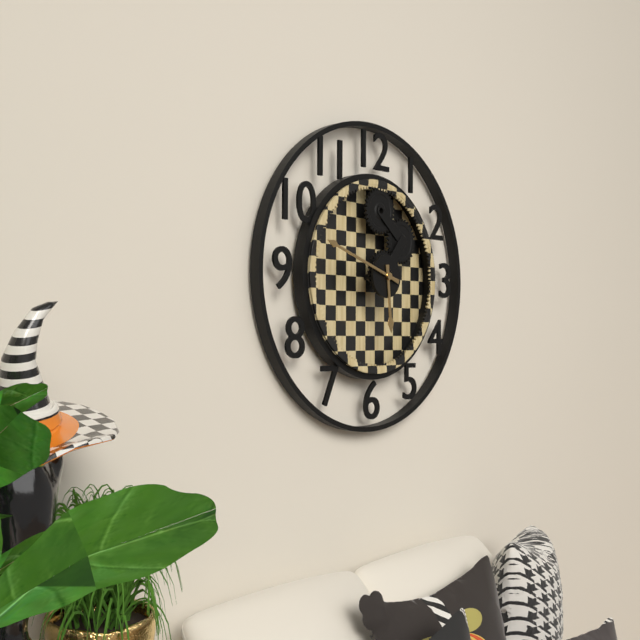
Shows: **5:48**
